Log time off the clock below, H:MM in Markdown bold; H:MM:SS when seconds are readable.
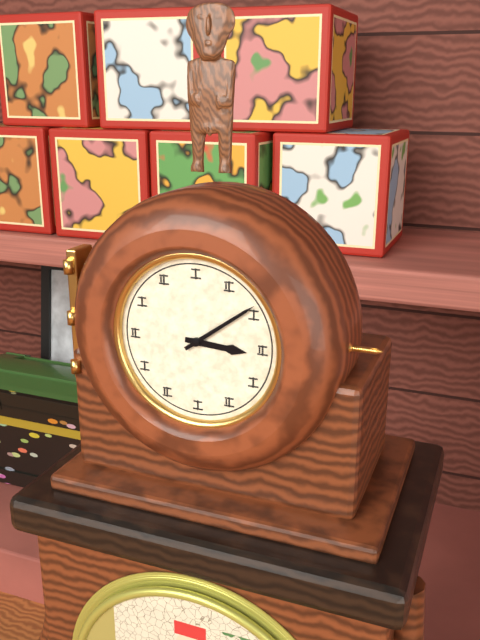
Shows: **3:09**
